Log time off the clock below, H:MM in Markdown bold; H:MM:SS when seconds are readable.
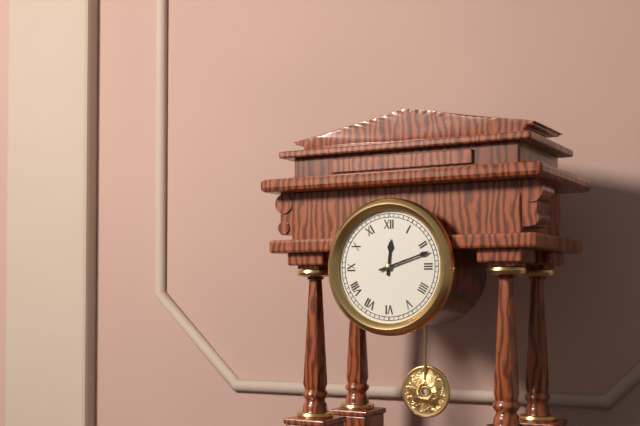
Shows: **12:12**
